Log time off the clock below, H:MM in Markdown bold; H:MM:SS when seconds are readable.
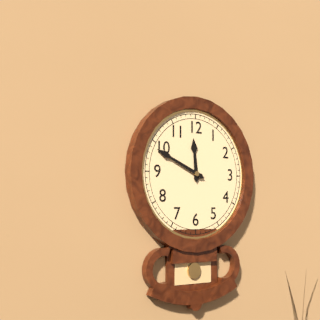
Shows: **11:49**
